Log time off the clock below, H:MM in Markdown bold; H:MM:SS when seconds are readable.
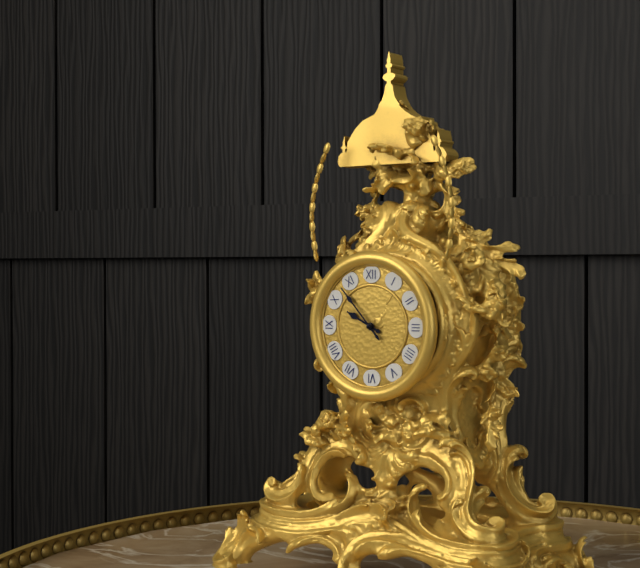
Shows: **9:53**
